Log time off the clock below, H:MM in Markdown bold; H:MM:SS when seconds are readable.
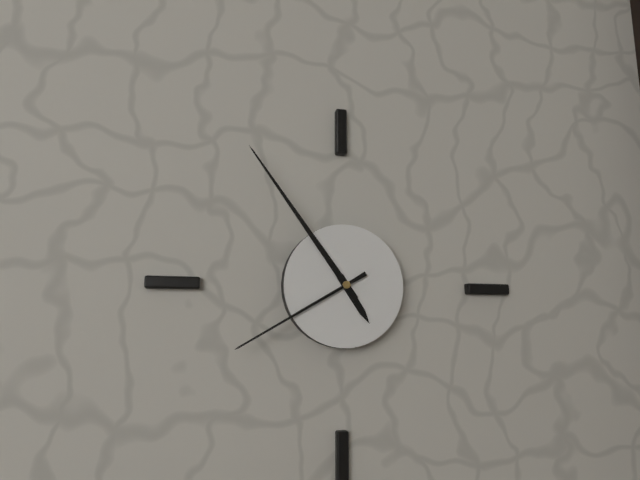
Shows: **4:54:40**
